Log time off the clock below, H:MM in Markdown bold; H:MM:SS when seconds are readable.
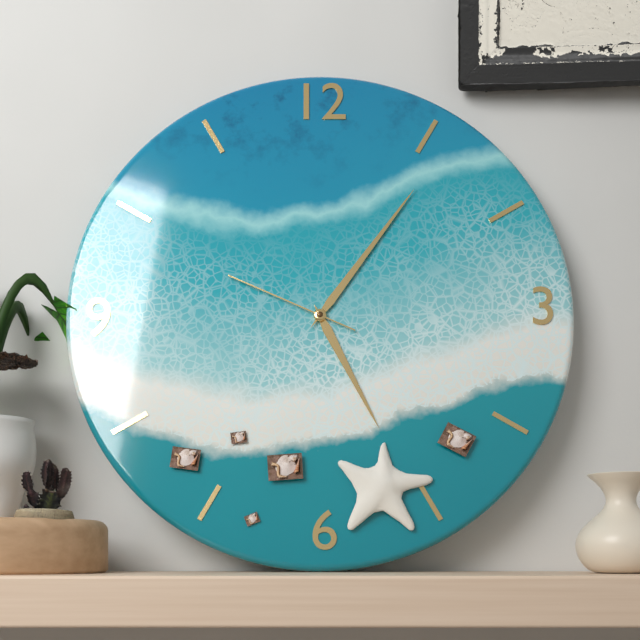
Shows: **5:06:49**
